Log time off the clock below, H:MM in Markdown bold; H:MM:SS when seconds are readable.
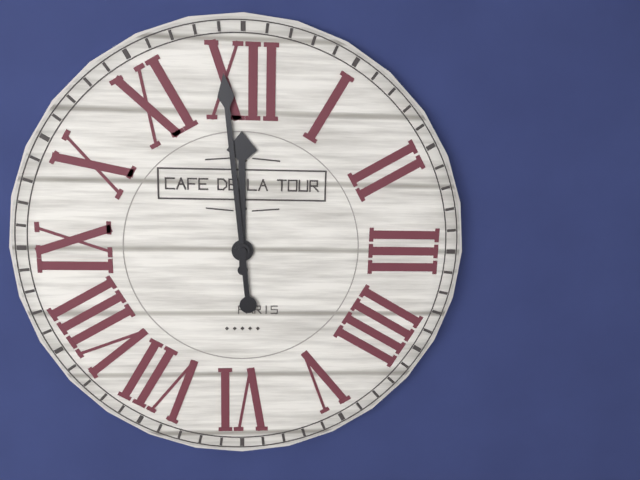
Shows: **11:59**
